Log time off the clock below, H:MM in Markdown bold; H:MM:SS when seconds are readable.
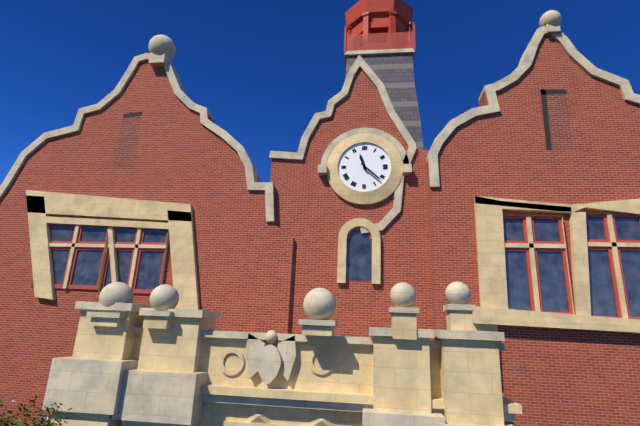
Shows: **11:22**
